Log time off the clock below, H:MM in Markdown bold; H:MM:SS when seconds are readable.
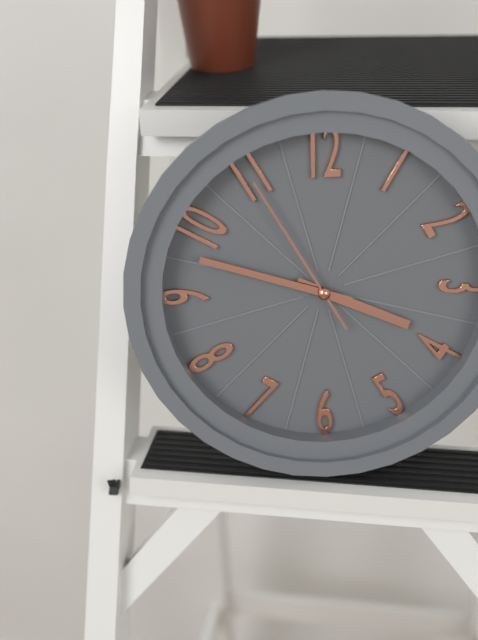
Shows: **3:48:55**
